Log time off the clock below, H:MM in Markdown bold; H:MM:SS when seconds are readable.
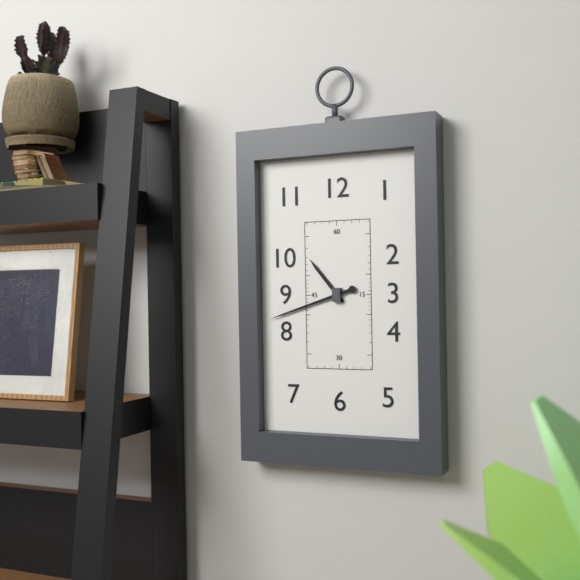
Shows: **10:42**
